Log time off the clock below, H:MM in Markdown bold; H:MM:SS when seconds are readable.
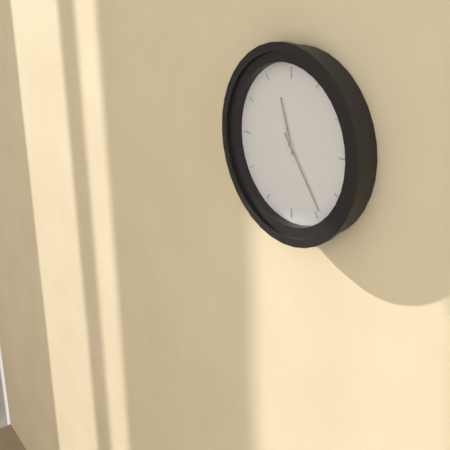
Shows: **11:24**
